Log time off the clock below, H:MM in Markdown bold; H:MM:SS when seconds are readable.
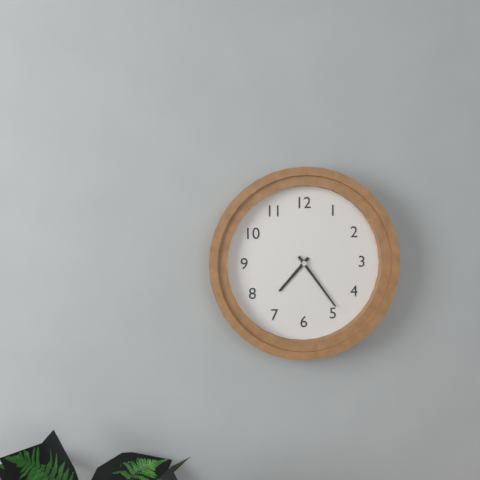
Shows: **7:24**
